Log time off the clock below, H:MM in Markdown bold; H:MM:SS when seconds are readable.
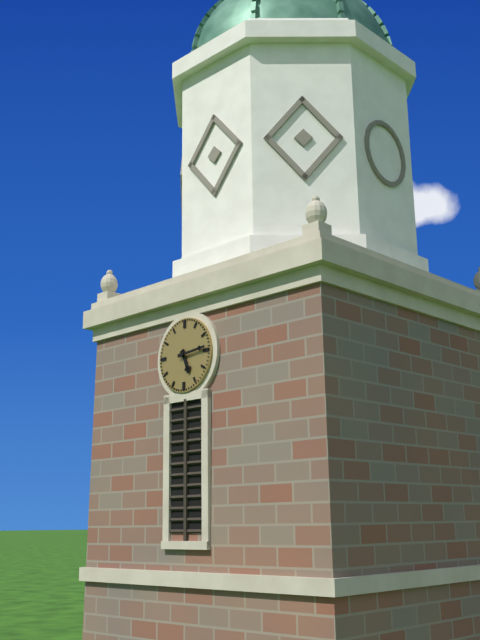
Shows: **5:14**
